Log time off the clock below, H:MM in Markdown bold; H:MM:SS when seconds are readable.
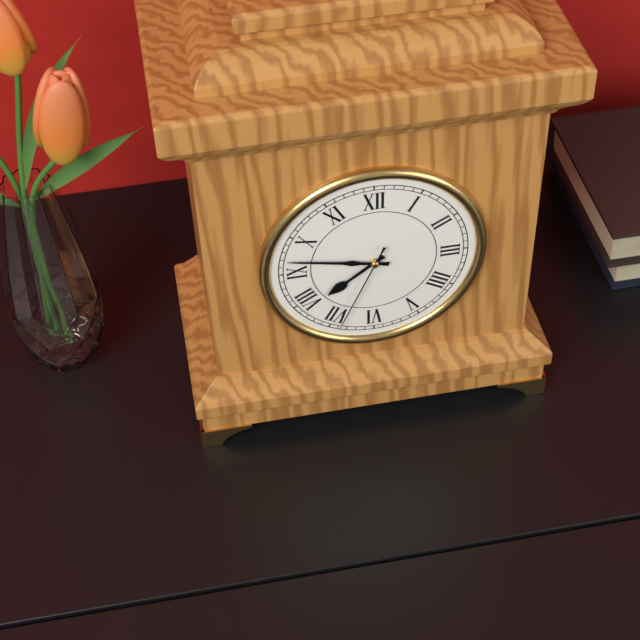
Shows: **7:47:34**
